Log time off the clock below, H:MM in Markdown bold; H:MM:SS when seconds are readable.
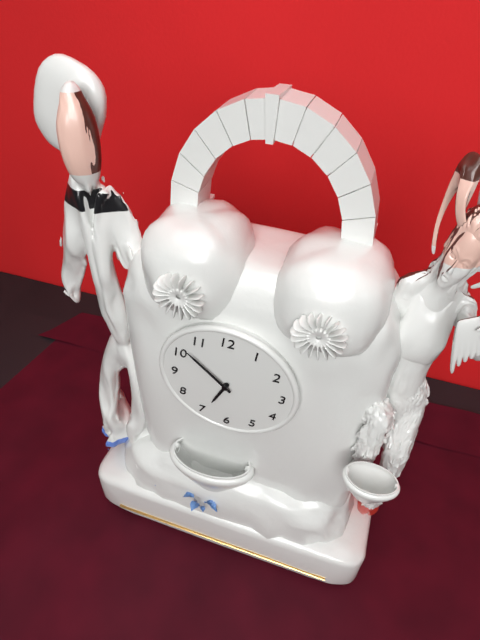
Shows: **6:52**
